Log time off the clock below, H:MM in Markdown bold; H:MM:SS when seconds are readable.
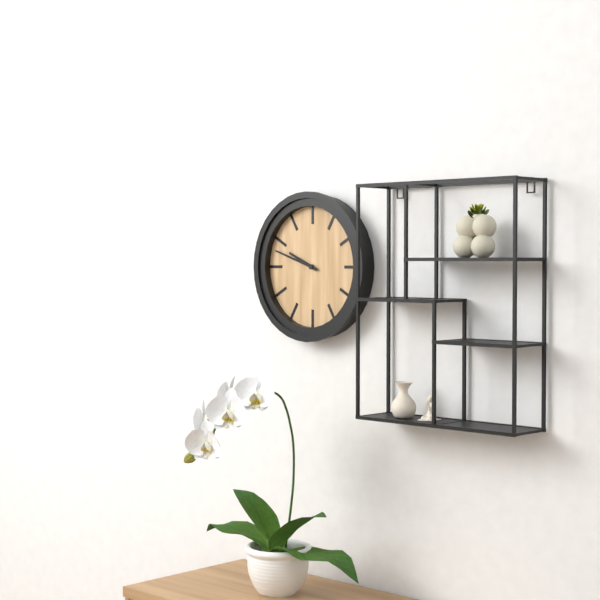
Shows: **9:48**
